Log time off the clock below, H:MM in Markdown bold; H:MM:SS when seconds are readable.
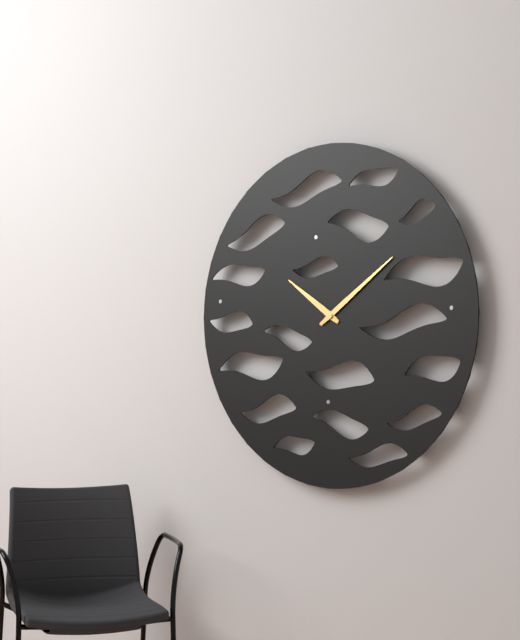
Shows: **10:09**
